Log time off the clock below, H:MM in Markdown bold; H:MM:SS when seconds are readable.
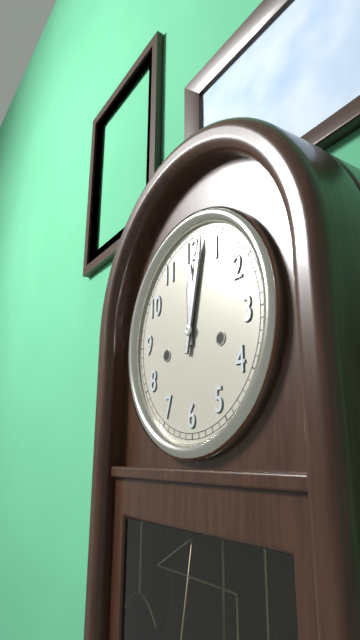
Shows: **12:02**
